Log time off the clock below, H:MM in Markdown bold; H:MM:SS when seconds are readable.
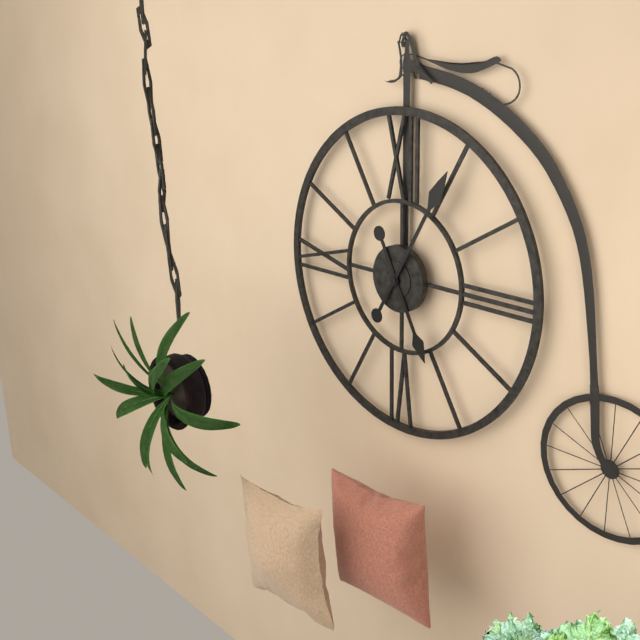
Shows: **5:05**
